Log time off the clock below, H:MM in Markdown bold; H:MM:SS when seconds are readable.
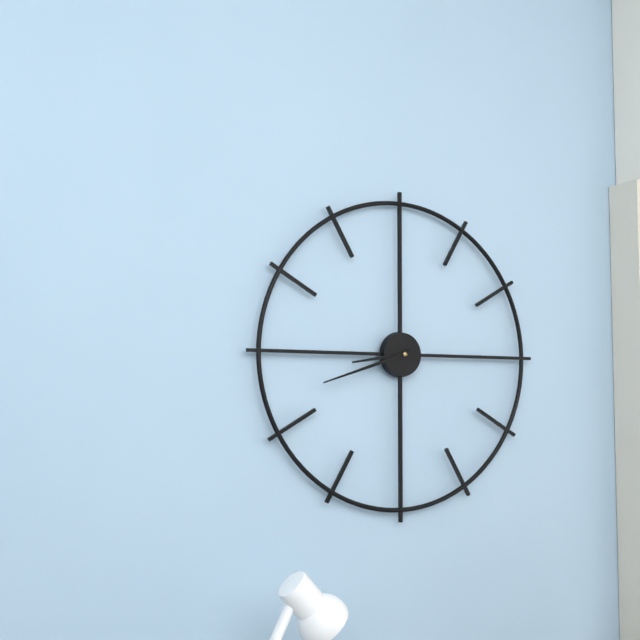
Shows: **8:42**
